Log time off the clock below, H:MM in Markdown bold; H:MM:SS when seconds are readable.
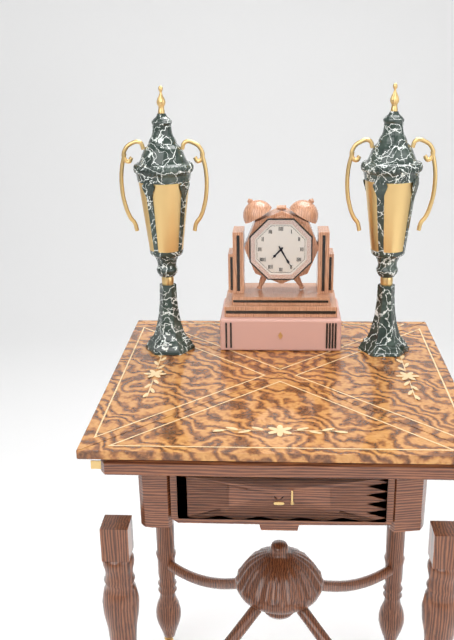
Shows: **7:25**
